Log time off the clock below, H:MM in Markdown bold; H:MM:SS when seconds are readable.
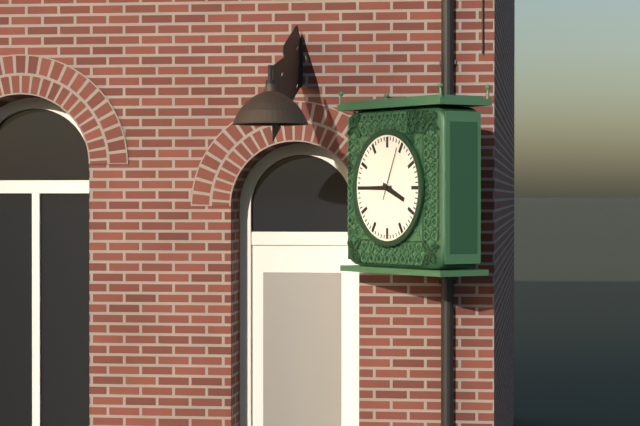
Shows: **3:45:04**
